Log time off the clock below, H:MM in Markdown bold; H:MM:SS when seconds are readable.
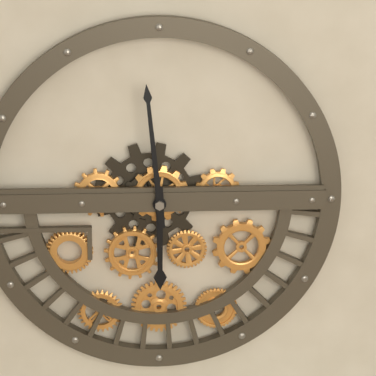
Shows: **5:59**
